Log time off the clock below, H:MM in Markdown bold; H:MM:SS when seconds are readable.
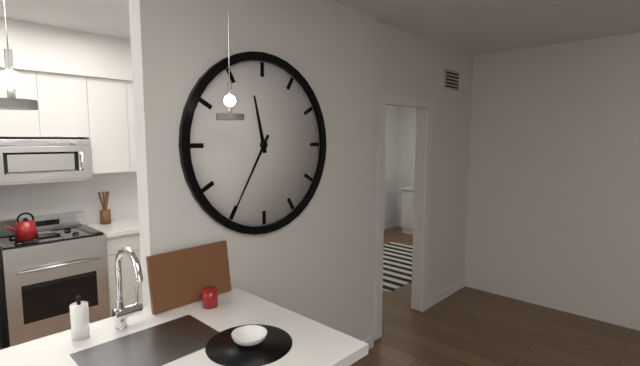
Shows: **11:35**
